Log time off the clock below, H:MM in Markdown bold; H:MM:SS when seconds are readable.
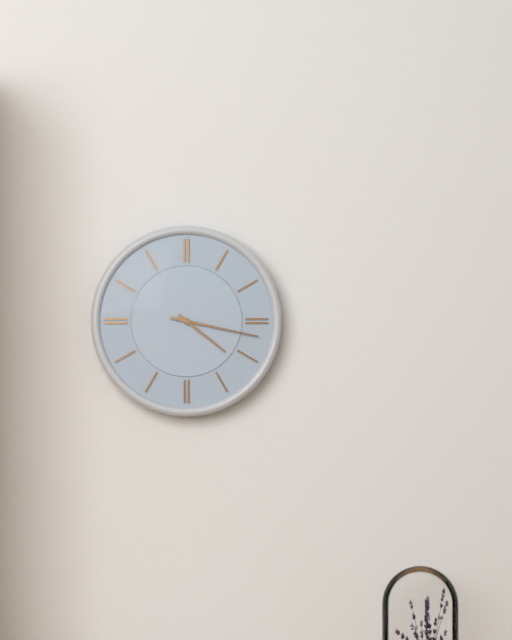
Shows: **4:17**
